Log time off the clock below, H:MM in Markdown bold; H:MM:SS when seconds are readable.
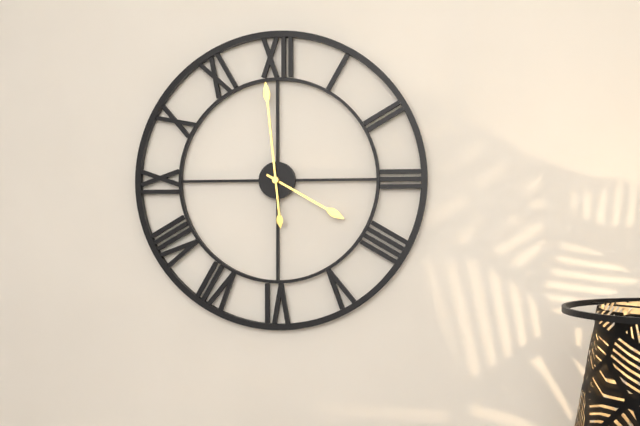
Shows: **3:59**
